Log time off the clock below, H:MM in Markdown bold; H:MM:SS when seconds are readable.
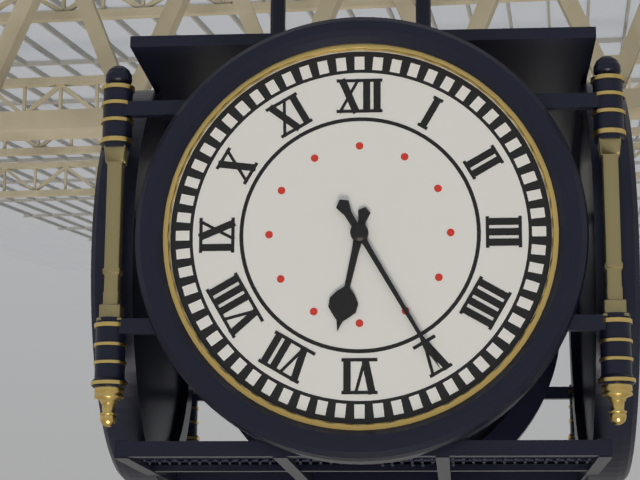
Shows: **6:25**
